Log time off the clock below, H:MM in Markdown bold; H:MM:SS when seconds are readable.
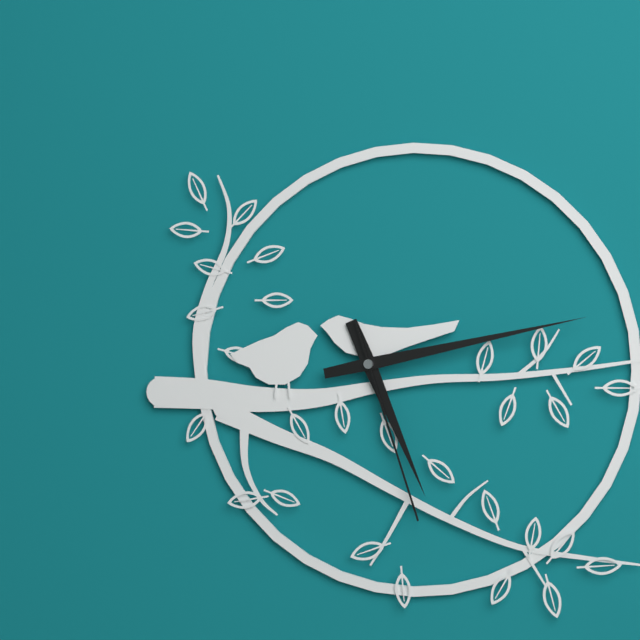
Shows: **5:13:27**
